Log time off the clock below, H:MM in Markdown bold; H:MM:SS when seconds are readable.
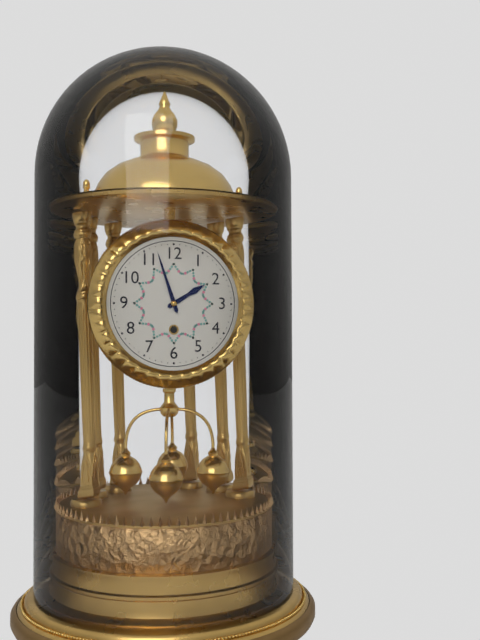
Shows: **1:57**
